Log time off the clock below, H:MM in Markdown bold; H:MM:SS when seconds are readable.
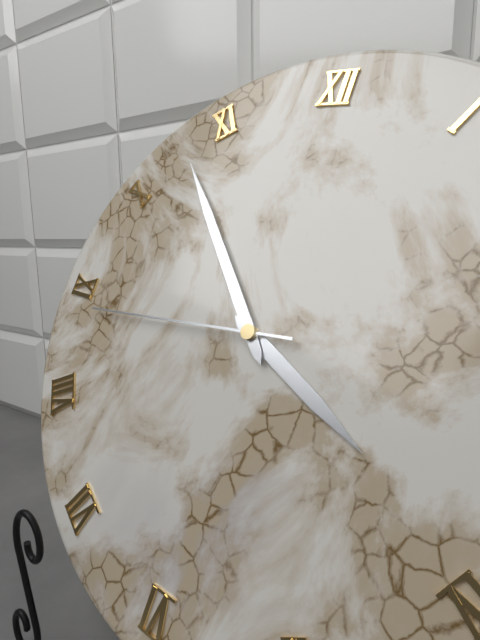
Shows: **3:53:44**
